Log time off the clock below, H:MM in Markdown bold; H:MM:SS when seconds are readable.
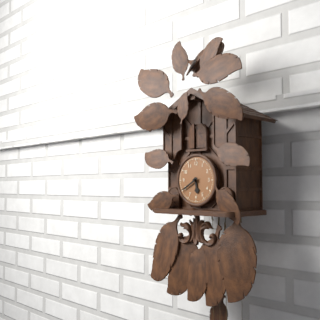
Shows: **5:40**
